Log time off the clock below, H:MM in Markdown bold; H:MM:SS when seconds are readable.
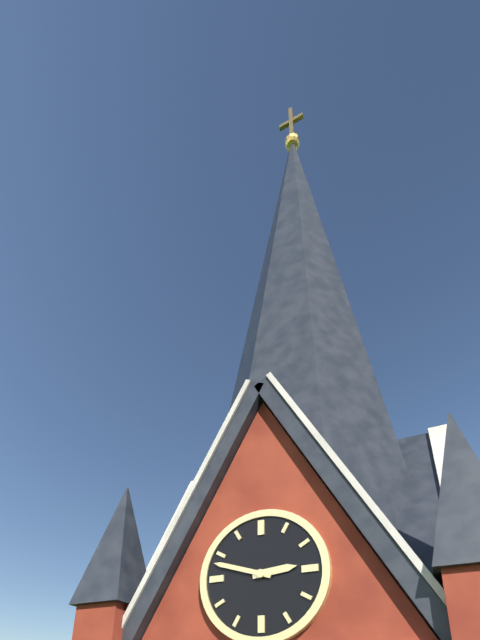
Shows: **2:48**
